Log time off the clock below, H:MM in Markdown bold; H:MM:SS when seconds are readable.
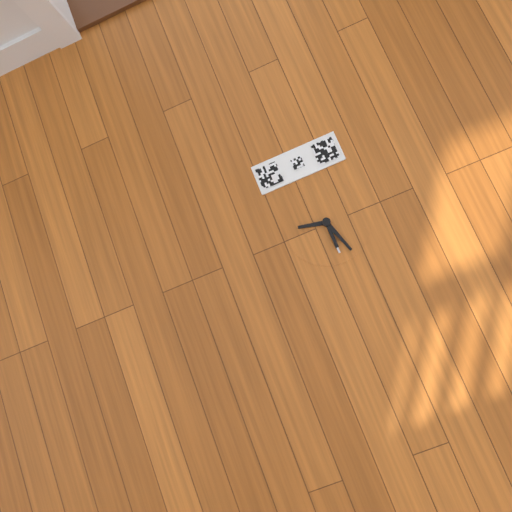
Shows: **9:27**
